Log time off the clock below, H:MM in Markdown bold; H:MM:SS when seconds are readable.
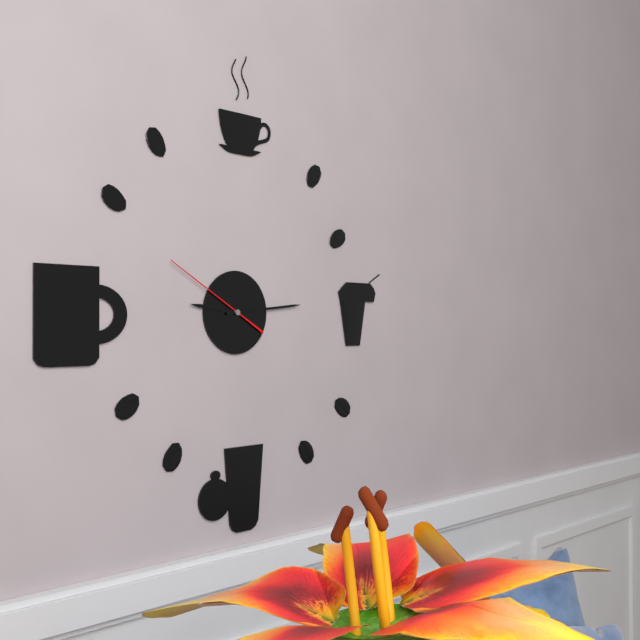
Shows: **9:14:50**
